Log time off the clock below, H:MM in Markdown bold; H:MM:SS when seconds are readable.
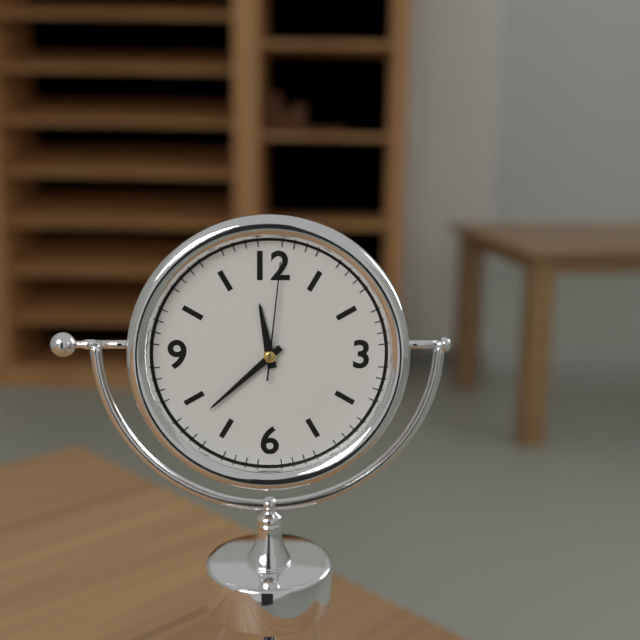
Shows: **11:38:01**
